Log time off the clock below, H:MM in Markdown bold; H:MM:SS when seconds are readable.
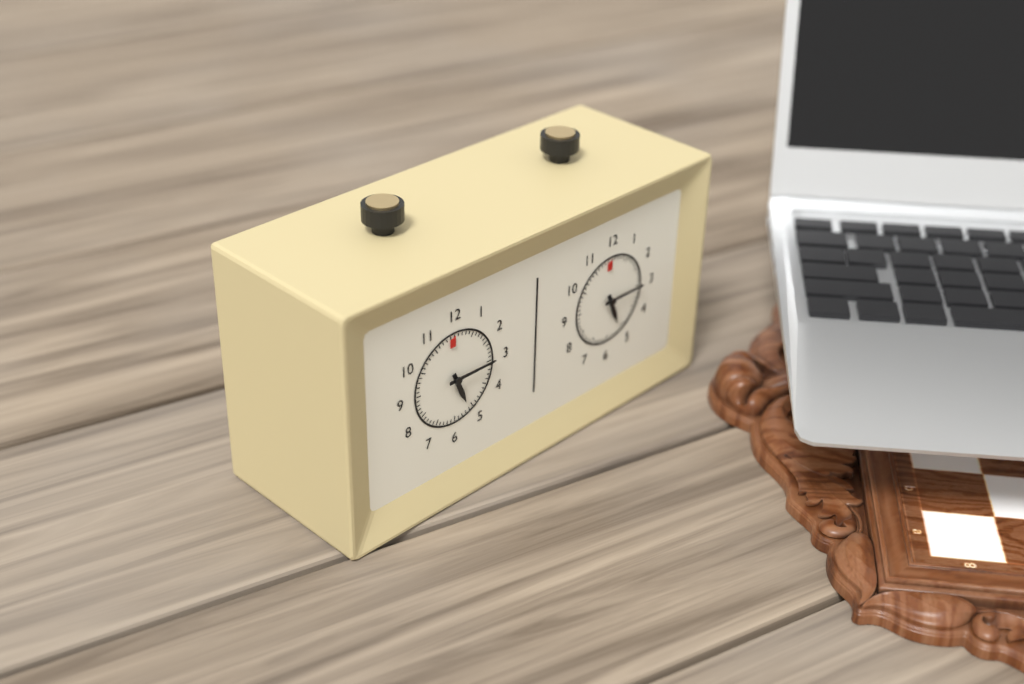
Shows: **5:15**
